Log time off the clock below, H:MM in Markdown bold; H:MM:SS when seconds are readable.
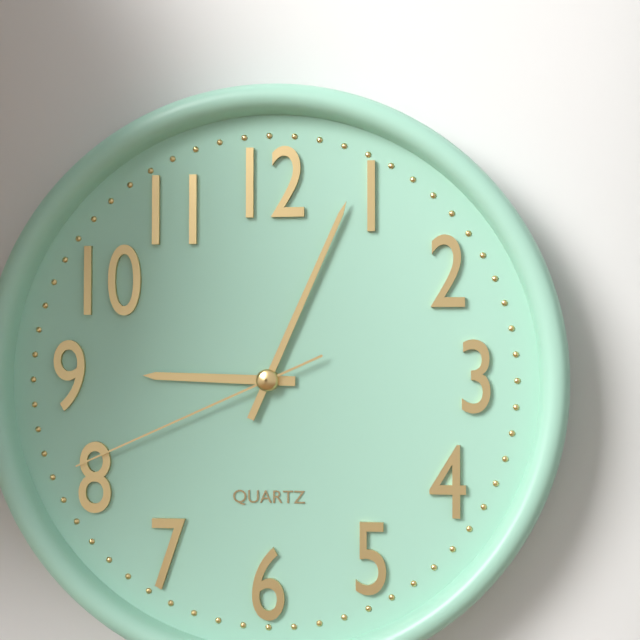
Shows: **9:04:41**
